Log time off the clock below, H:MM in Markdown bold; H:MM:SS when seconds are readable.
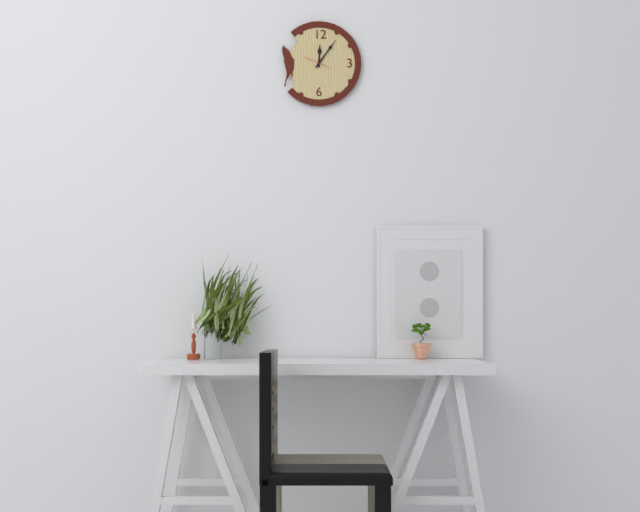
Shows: **12:06**
